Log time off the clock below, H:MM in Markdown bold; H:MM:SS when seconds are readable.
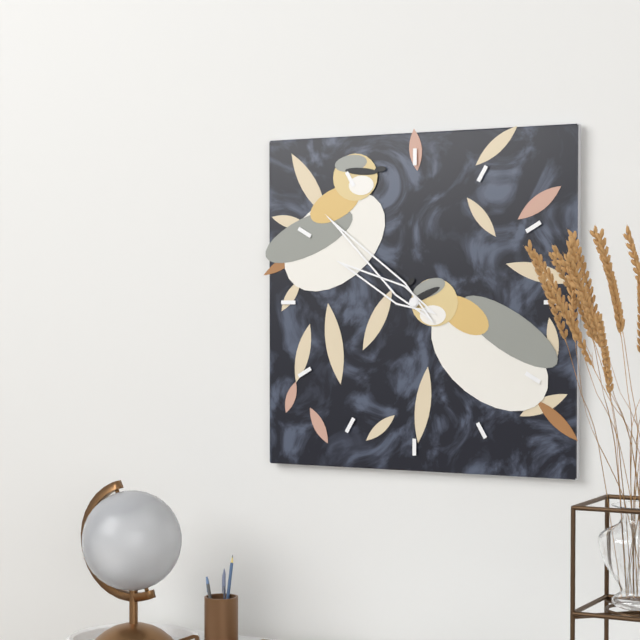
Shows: **9:52**
